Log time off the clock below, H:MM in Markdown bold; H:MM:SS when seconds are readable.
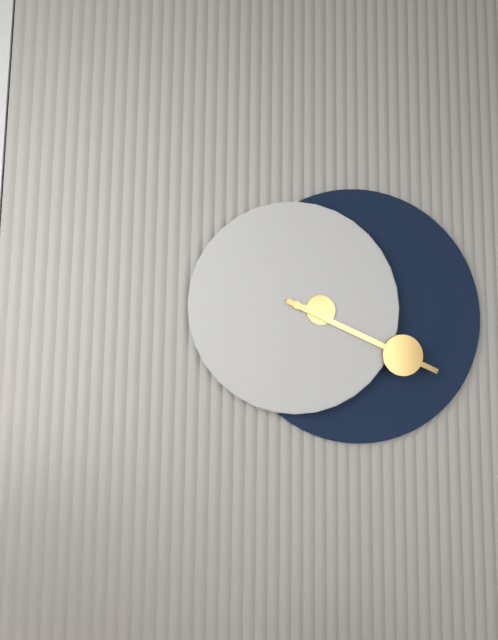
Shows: **3:19**
